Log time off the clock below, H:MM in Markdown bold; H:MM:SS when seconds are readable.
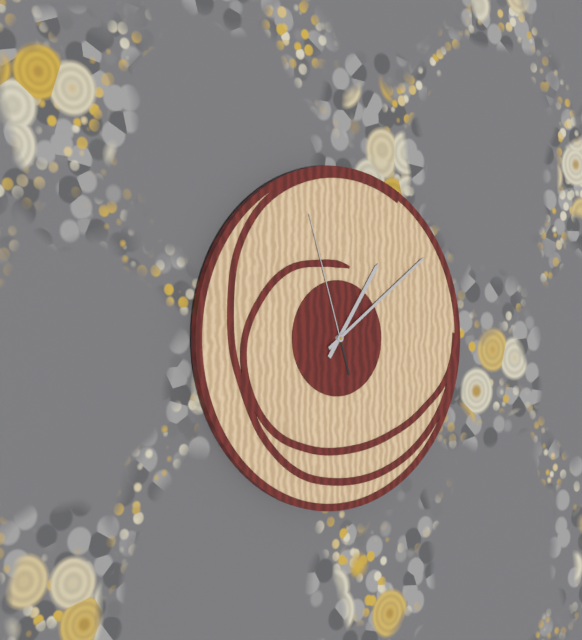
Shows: **1:09:57**
